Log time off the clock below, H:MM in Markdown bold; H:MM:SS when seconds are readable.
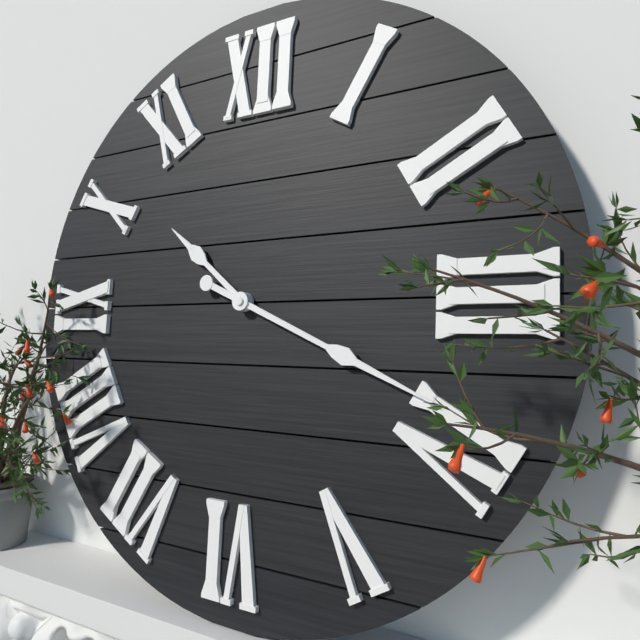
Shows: **10:19**
